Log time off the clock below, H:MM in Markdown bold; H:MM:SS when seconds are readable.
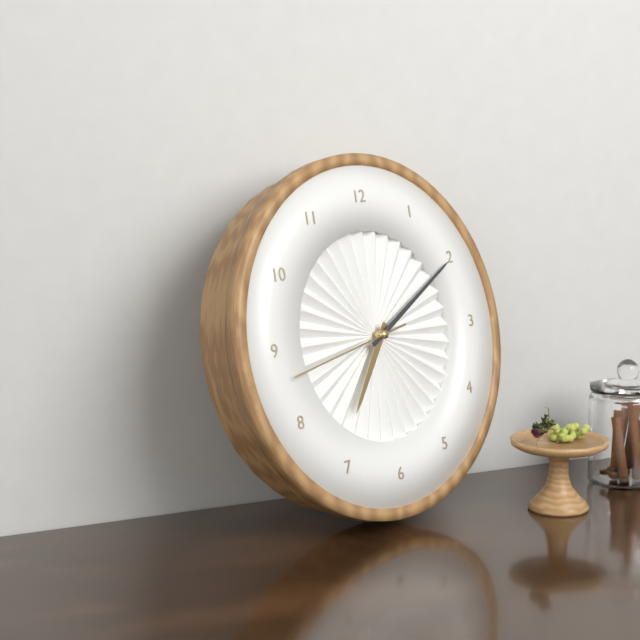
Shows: **7:10:43**
